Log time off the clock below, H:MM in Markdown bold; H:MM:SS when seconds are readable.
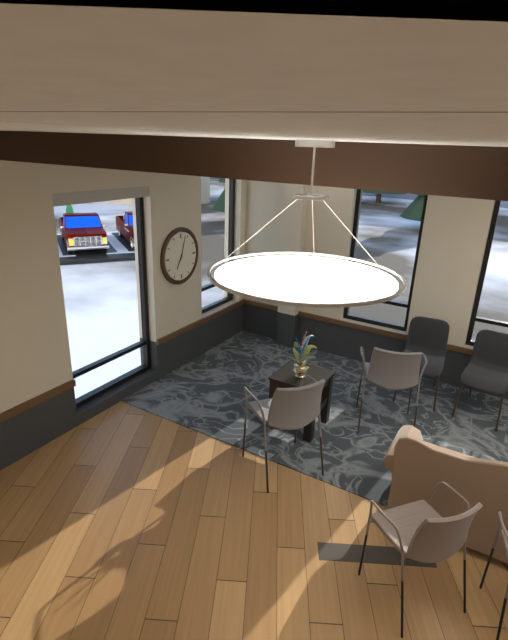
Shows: **7:03**
